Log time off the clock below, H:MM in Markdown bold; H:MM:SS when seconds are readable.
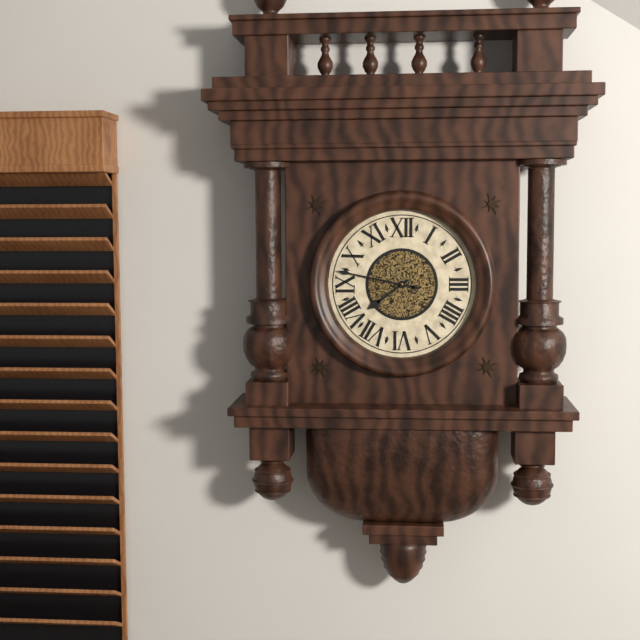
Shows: **7:47**
